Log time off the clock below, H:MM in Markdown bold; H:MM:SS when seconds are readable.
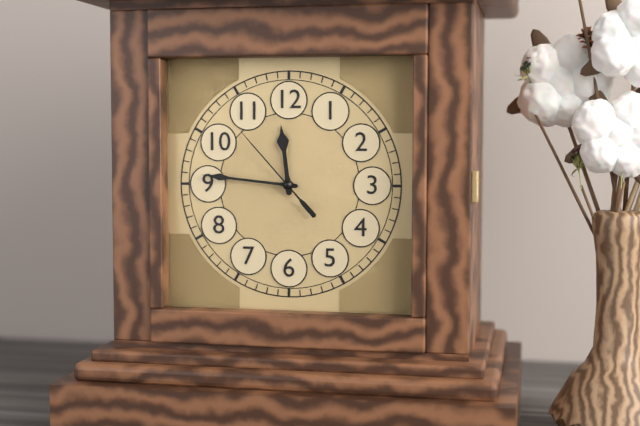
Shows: **11:46:53**
